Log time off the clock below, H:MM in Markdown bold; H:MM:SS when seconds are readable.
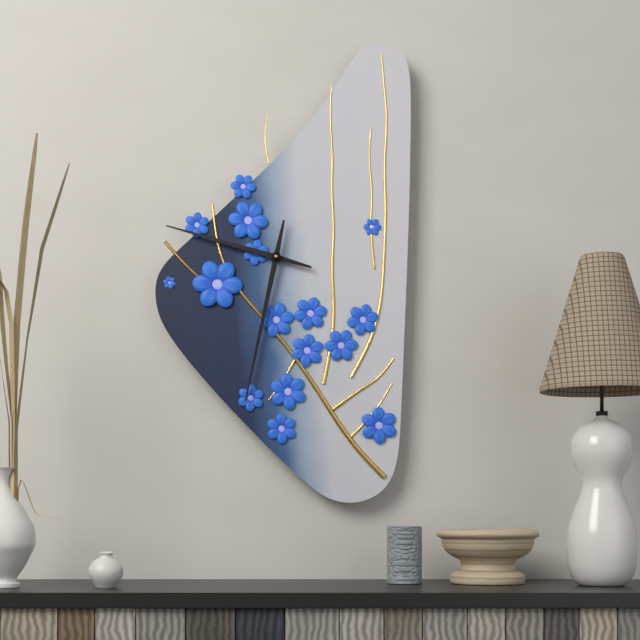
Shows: **9:32**
